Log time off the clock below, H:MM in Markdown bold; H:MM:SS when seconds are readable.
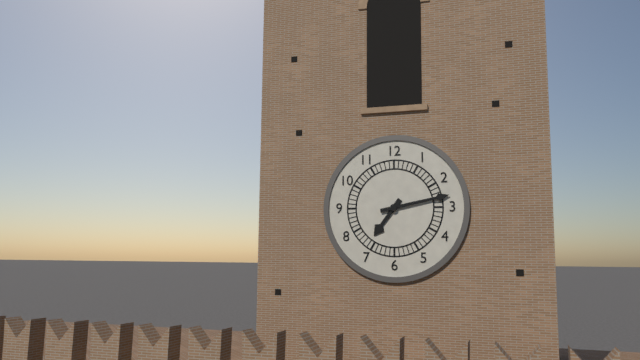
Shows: **7:13**
